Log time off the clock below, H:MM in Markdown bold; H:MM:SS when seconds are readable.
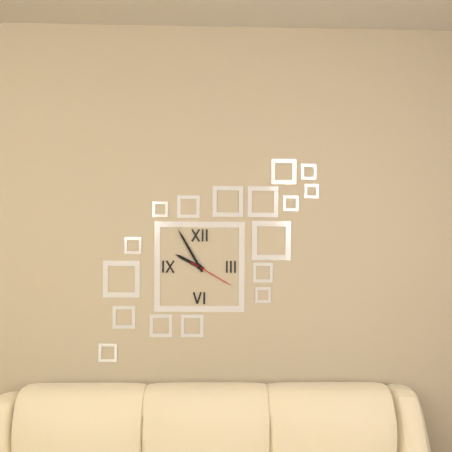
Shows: **9:55**
